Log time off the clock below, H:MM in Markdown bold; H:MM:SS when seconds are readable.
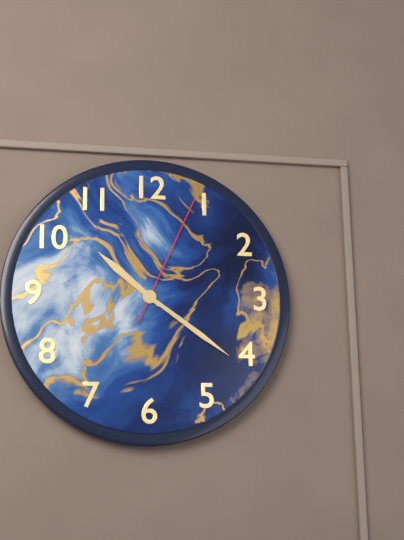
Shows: **10:21:04**
